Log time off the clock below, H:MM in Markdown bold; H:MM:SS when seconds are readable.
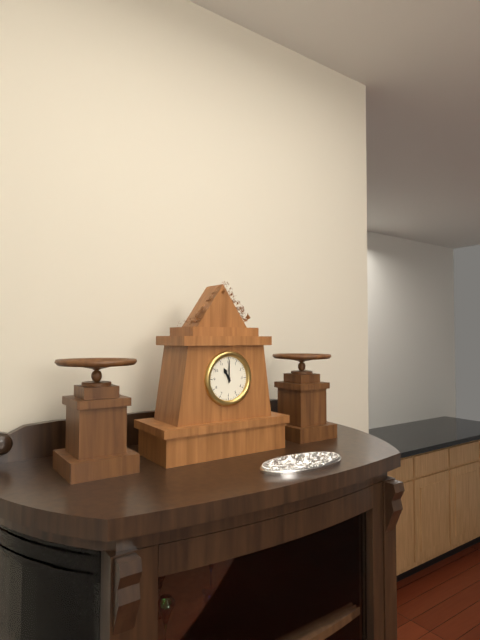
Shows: **11:00**
